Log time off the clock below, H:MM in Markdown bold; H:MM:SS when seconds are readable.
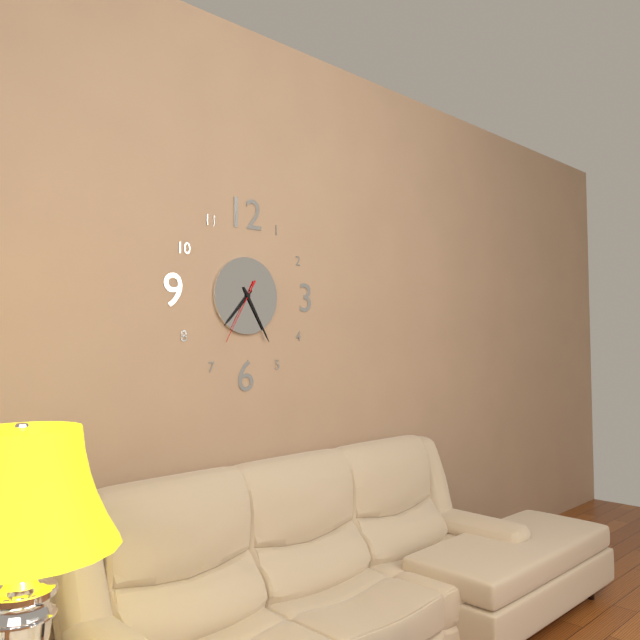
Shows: **7:25:35**
